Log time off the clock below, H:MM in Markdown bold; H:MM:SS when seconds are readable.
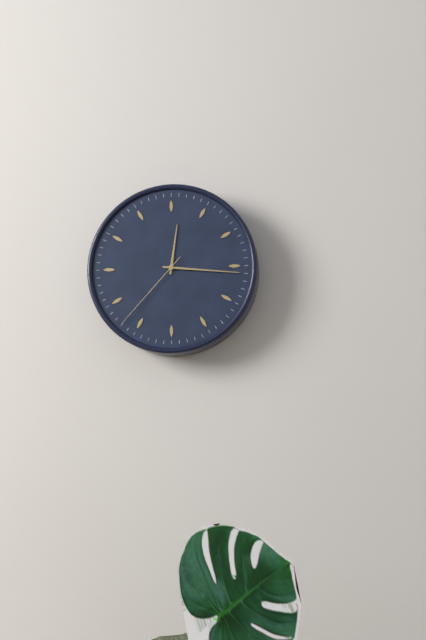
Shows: **12:16:37**
